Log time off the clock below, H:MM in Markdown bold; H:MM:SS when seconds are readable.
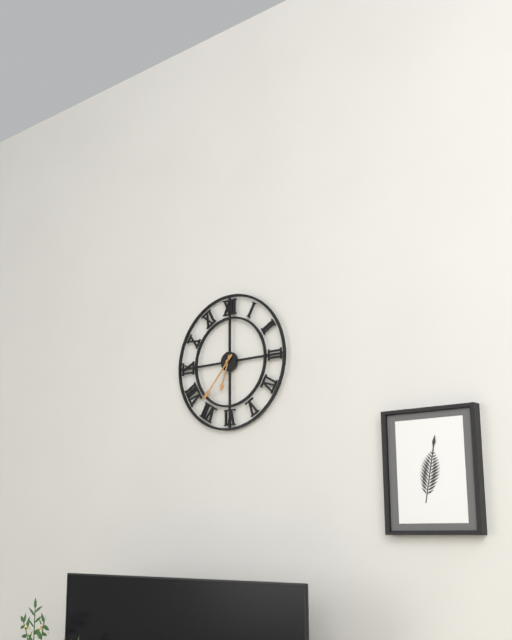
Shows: **6:37**
